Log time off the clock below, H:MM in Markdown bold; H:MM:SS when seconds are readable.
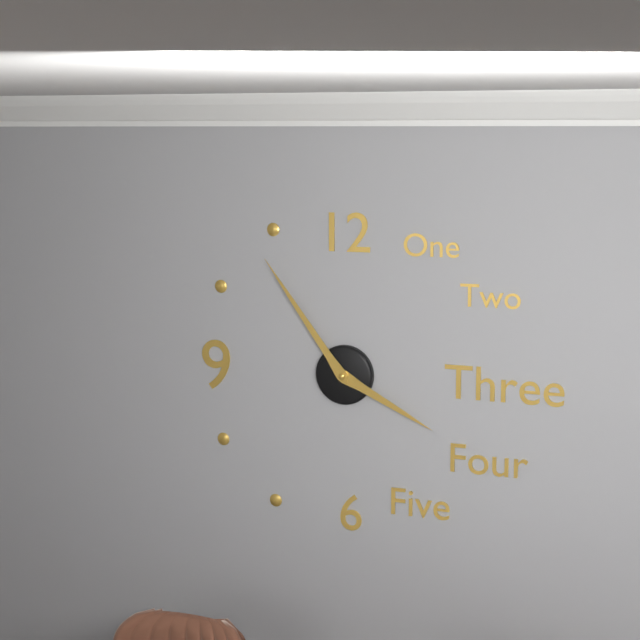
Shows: **3:54**
